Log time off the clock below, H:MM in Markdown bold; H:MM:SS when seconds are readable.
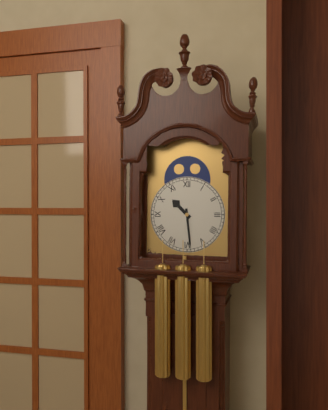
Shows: **10:29**
